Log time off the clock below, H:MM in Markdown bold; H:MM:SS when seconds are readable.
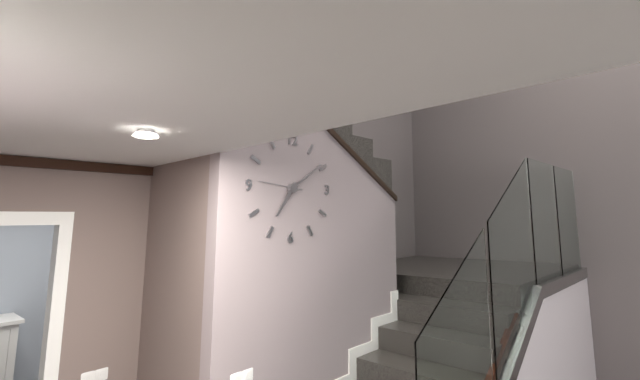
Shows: **7:09**
